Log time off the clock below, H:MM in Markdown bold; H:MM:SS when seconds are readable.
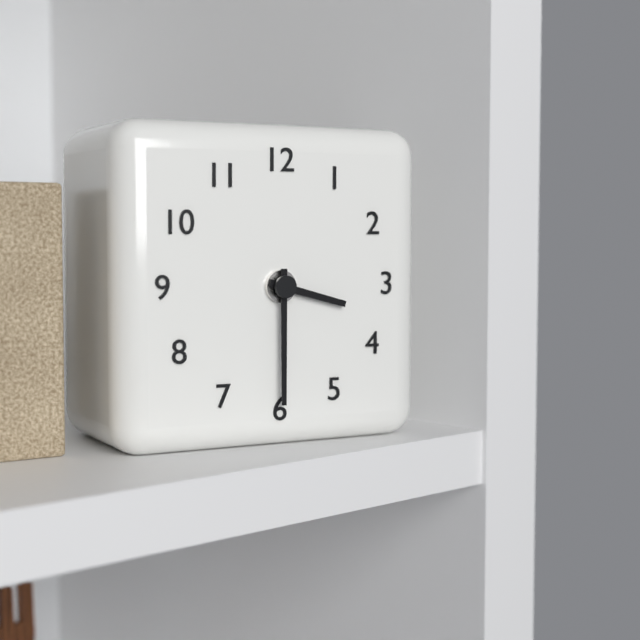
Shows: **3:30**
